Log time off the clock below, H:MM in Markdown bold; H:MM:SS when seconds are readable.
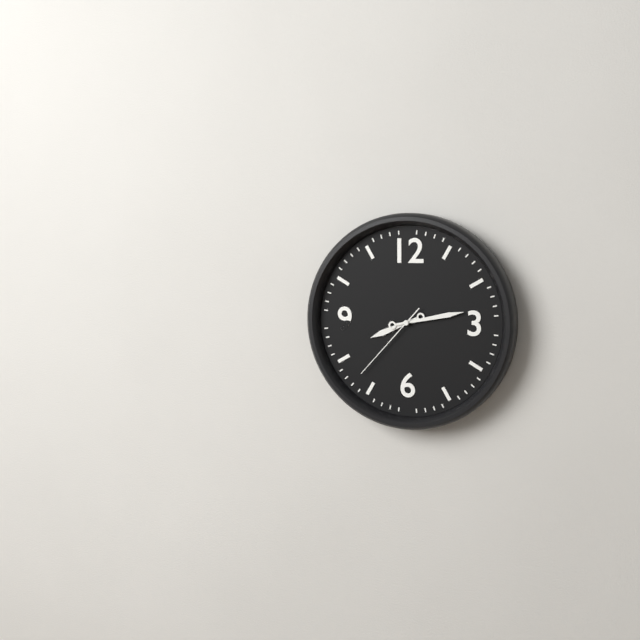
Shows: **8:13:37**
